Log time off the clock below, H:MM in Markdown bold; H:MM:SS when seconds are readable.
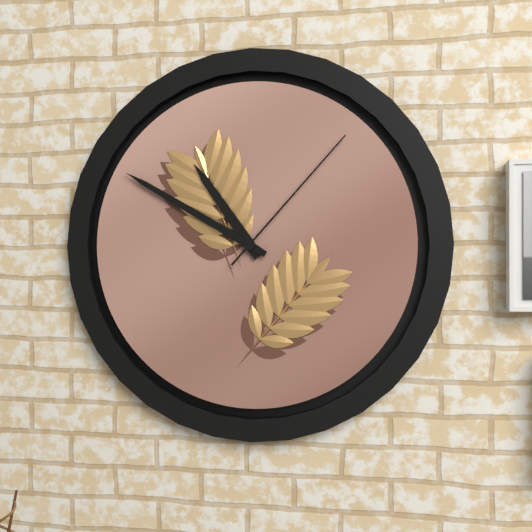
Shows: **10:50:07**
